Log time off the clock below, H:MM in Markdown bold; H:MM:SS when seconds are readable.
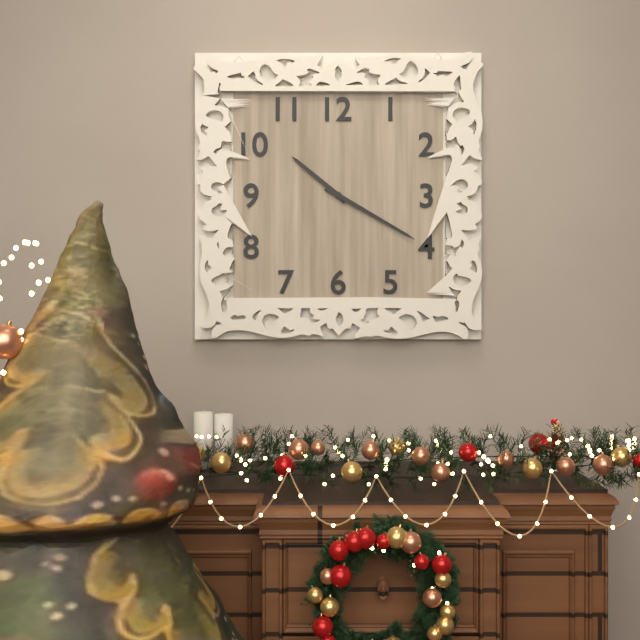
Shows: **10:20**
